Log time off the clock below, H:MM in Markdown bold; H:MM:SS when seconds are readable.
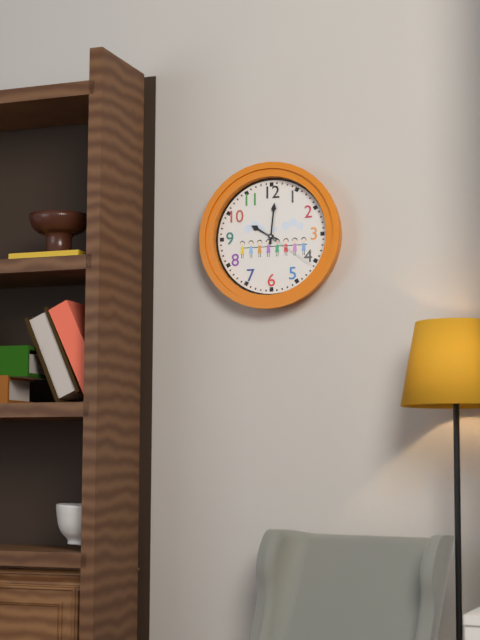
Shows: **10:01:21**
